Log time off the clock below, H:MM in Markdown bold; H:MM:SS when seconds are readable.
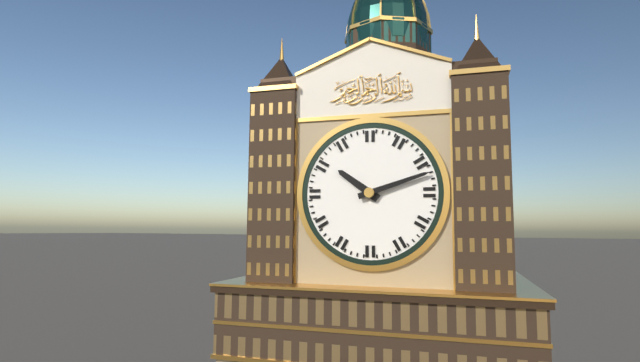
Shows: **10:12**
